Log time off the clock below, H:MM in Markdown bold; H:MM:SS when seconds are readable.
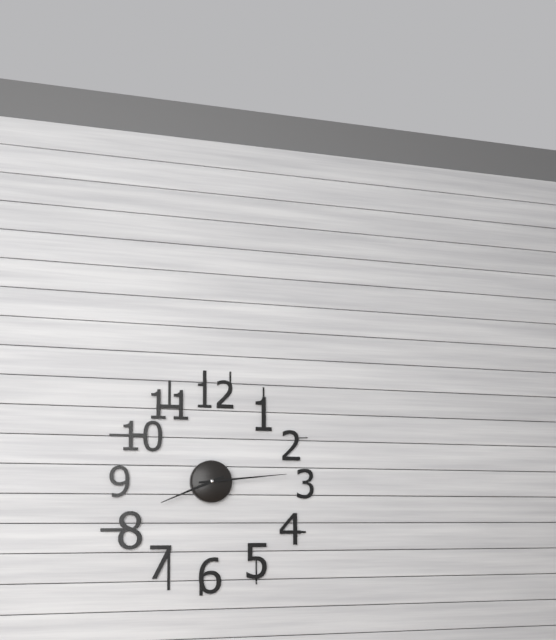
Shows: **8:14**
